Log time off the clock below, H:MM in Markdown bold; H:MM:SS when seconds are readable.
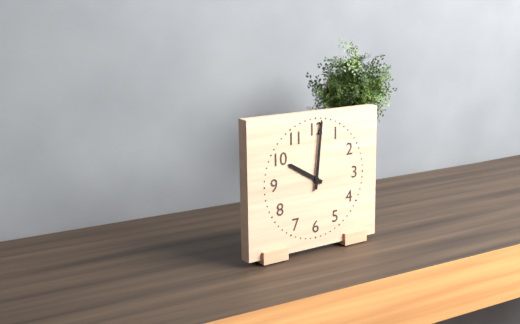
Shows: **10:01**
